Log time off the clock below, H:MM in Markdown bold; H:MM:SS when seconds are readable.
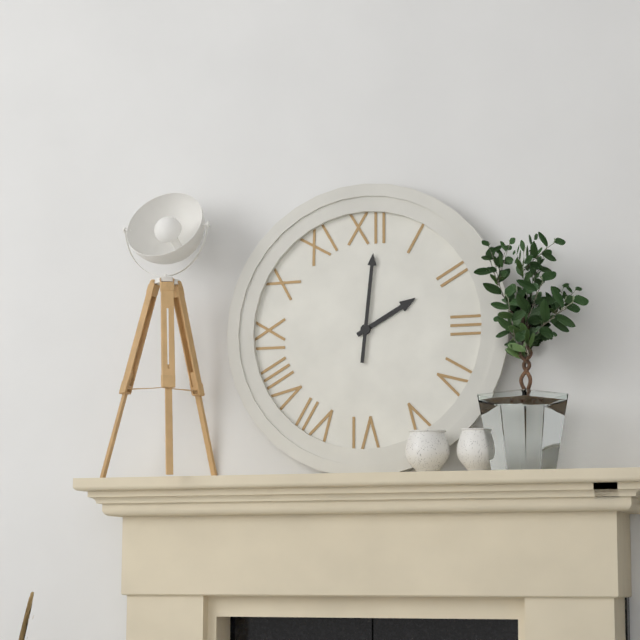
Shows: **2:01**
